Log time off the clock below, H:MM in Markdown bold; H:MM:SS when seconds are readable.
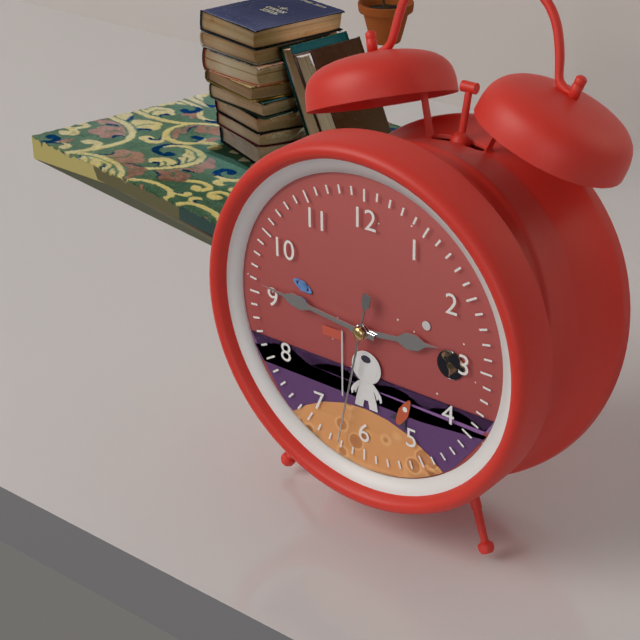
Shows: **2:46:32**
